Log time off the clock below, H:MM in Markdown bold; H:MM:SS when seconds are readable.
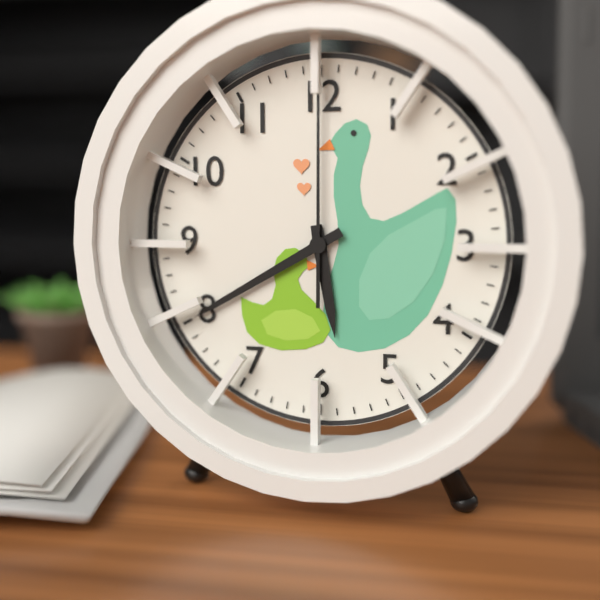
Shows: **5:40:00**
